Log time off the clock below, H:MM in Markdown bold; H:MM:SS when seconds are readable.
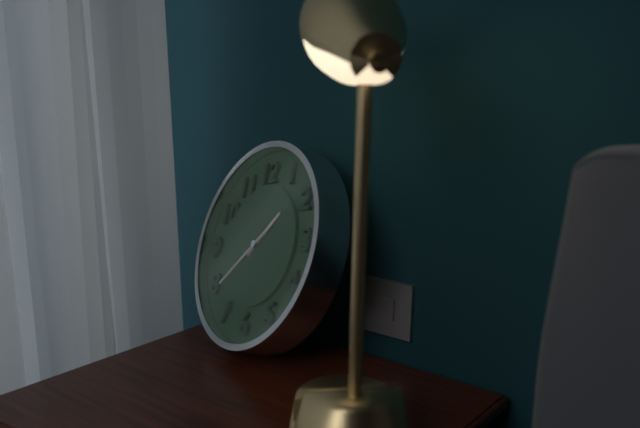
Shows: **1:39**
